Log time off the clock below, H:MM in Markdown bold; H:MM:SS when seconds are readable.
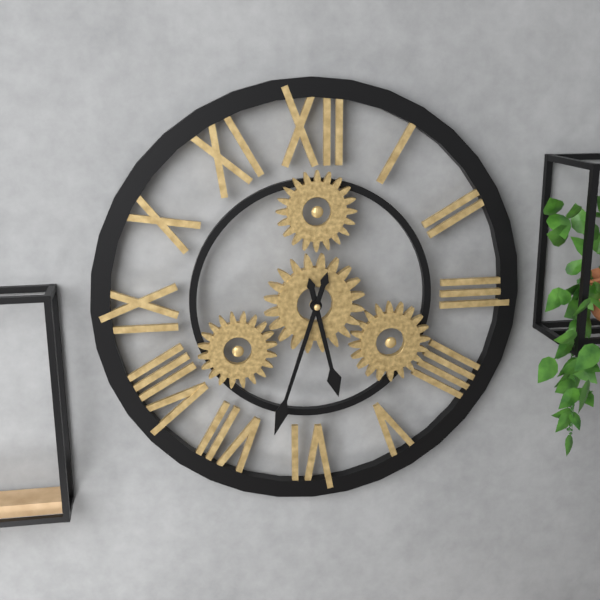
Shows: **5:33**
